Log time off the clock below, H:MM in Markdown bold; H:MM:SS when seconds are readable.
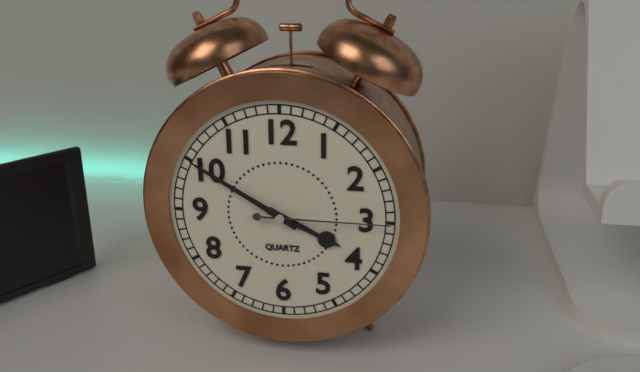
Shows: **3:50:15**
